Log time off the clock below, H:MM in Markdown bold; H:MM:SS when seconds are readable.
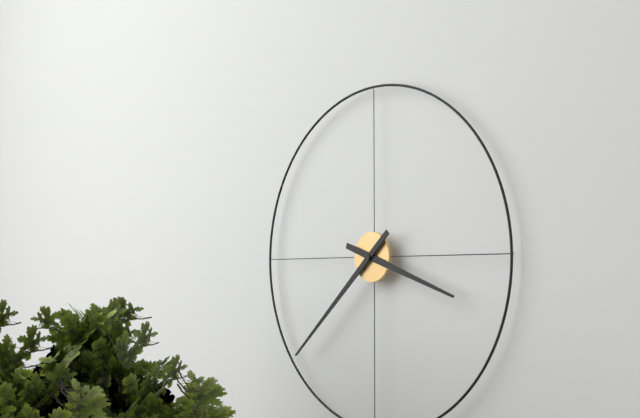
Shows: **3:38**
